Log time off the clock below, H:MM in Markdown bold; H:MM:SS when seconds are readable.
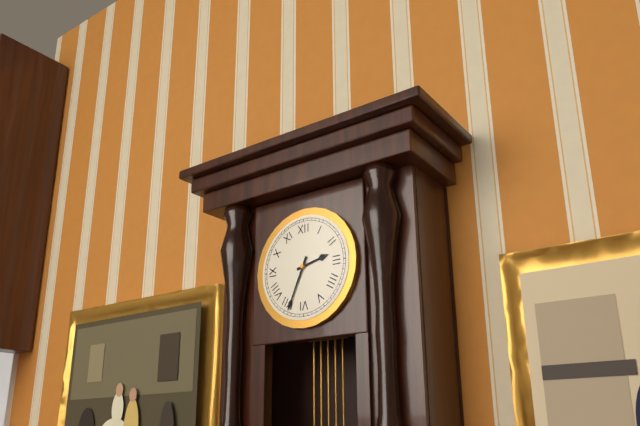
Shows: **2:34**
